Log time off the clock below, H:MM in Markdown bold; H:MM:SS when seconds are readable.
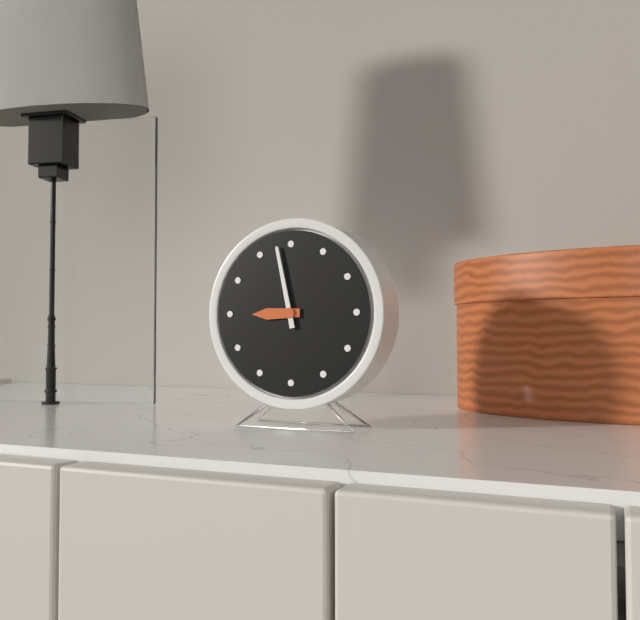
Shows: **8:58**
